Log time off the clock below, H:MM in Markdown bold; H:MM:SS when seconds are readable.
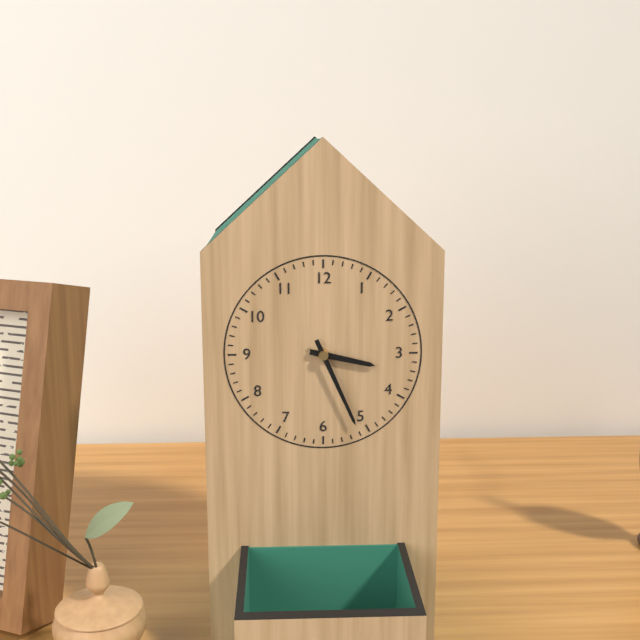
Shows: **3:26**
